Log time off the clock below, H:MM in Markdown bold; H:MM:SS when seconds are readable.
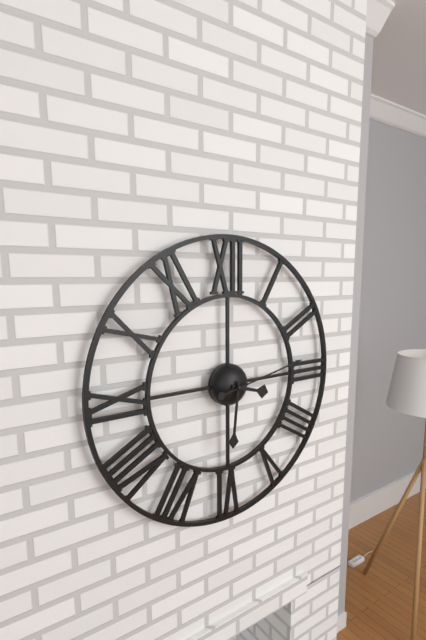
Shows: **3:31:13**
